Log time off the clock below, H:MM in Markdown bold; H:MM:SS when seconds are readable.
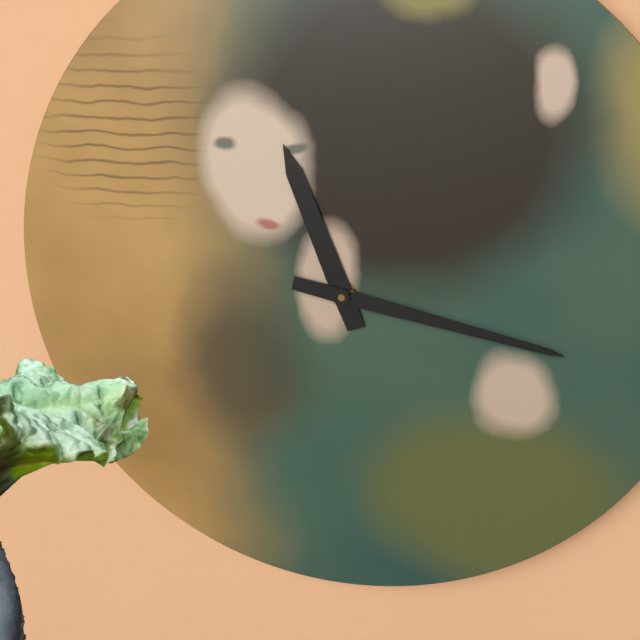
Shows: **11:17**
